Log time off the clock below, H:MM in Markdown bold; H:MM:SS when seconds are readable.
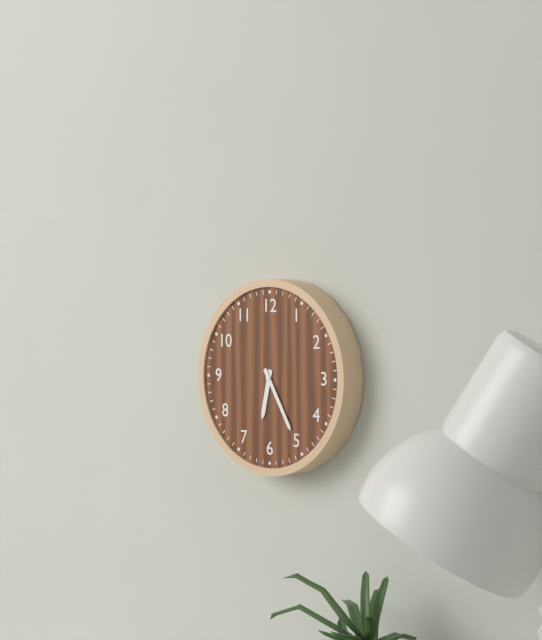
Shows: **6:25**
